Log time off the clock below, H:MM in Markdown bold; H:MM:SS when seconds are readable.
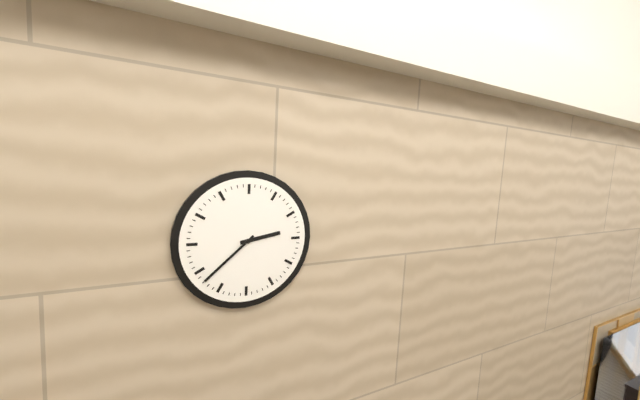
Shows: **2:38**
